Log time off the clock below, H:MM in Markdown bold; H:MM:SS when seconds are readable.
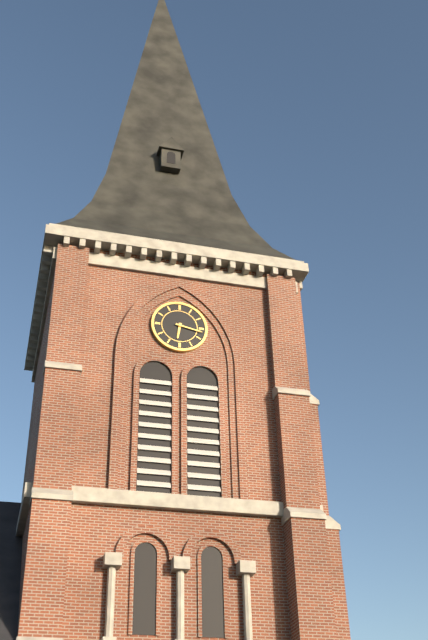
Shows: **6:17**
